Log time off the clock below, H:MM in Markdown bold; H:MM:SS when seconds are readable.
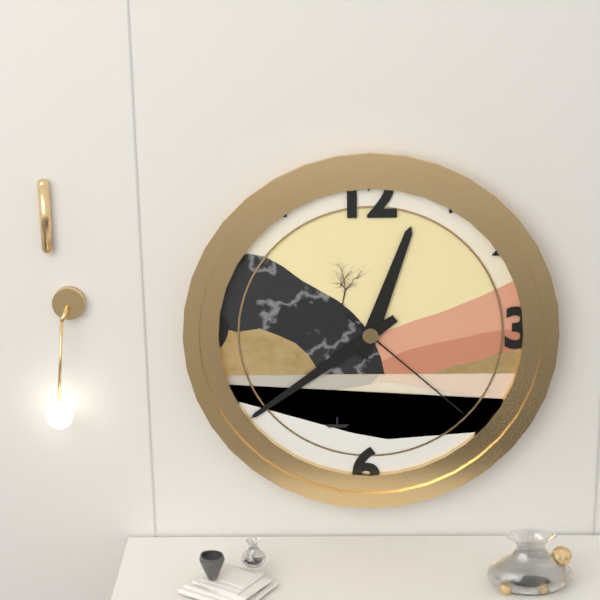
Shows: **12:39:22**
